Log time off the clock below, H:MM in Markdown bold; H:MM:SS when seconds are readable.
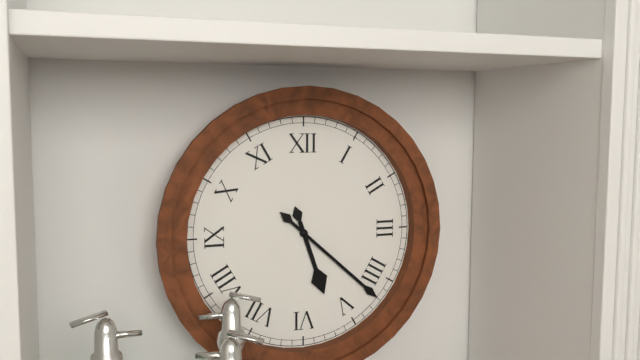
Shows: **5:22**
